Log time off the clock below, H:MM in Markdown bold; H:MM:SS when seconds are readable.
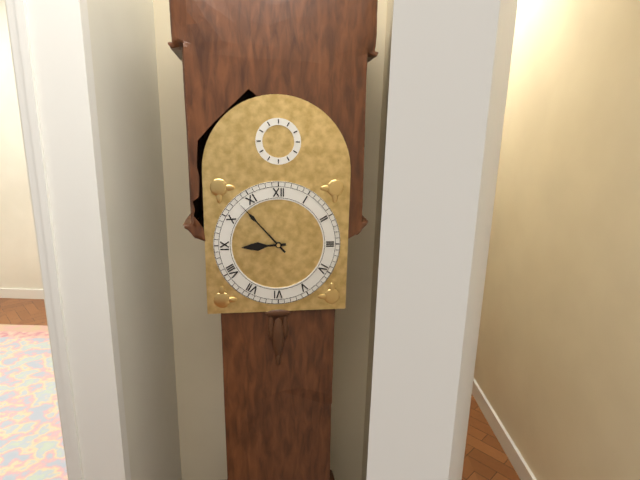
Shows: **8:53**
